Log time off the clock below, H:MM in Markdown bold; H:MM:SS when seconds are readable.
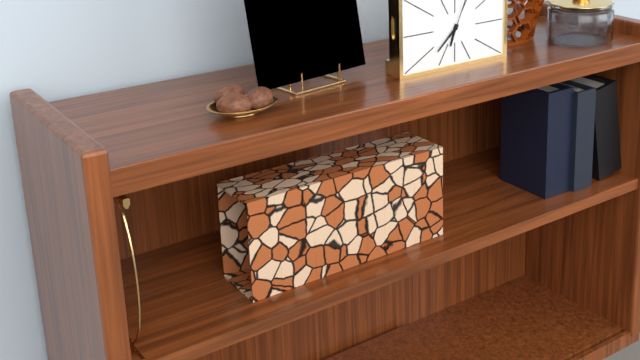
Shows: **6:38**
